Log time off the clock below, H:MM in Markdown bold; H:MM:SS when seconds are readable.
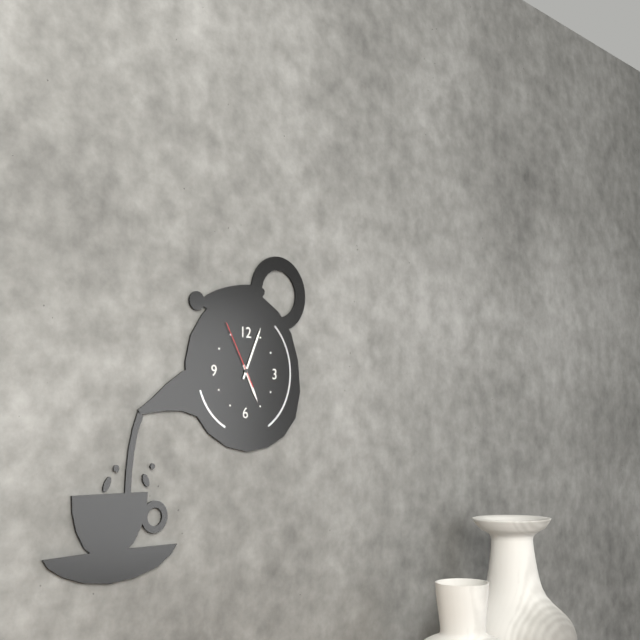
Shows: **5:04:55**
